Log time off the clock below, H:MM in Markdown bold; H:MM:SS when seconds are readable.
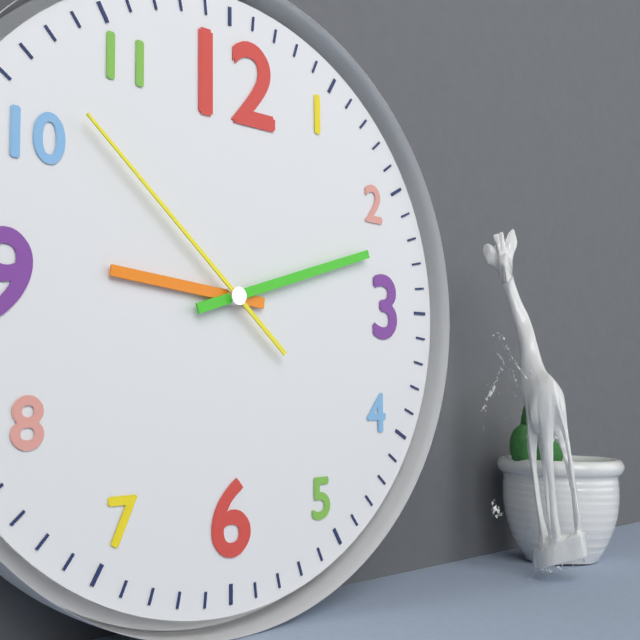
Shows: **9:12:52**
